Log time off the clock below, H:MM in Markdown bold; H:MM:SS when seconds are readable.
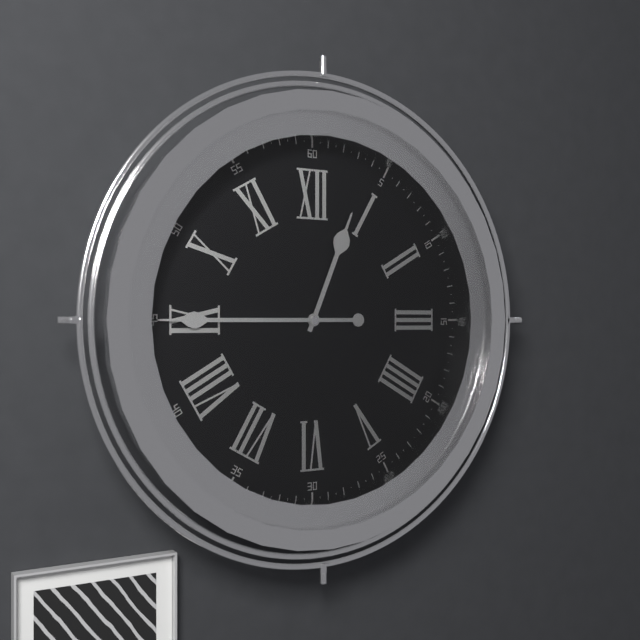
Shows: **12:45**
